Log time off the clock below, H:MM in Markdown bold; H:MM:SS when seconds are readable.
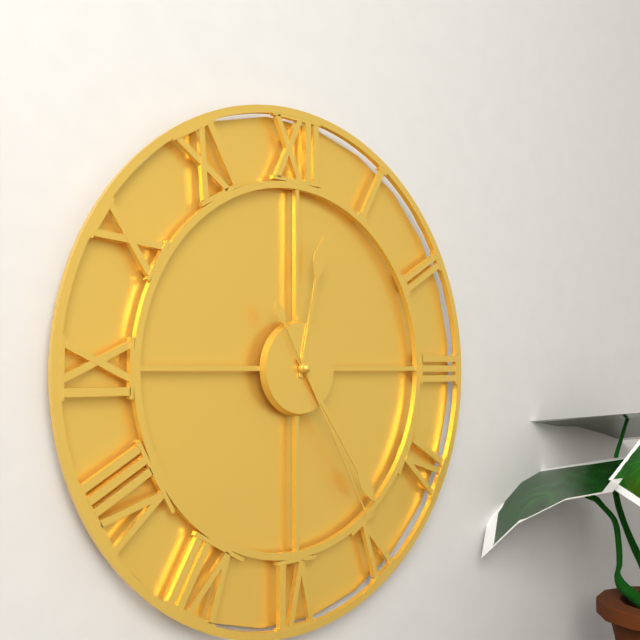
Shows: **12:24:25**
